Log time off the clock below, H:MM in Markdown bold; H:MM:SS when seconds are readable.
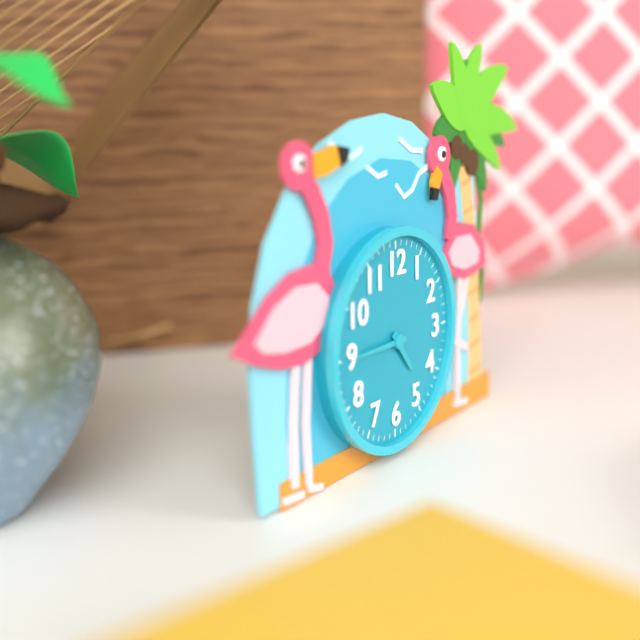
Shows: **4:45**
